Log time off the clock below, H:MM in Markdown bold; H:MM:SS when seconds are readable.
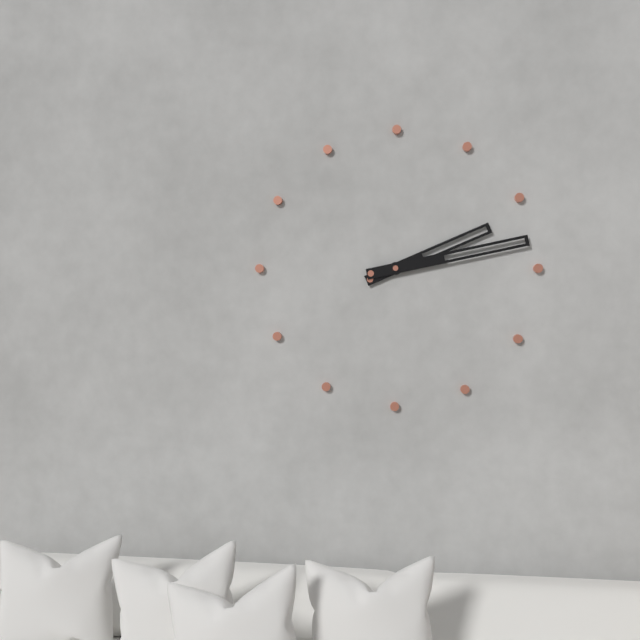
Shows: **2:13**
